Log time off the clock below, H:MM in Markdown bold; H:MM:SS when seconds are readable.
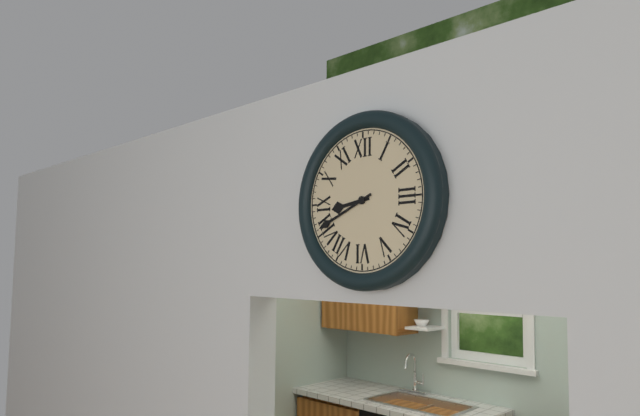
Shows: **8:41**
